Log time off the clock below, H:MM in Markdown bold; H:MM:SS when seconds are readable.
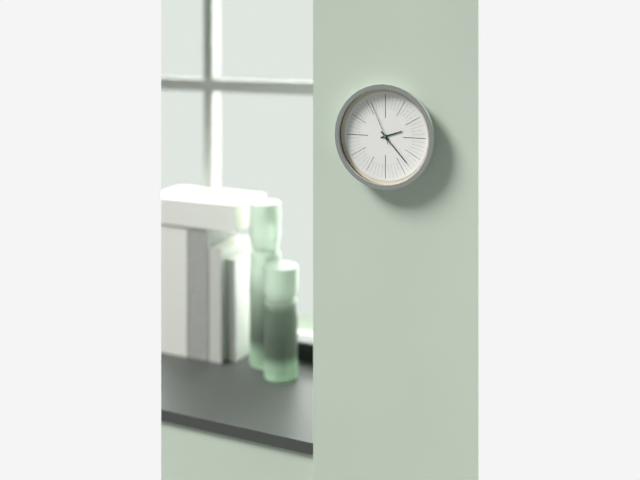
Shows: **2:23**
